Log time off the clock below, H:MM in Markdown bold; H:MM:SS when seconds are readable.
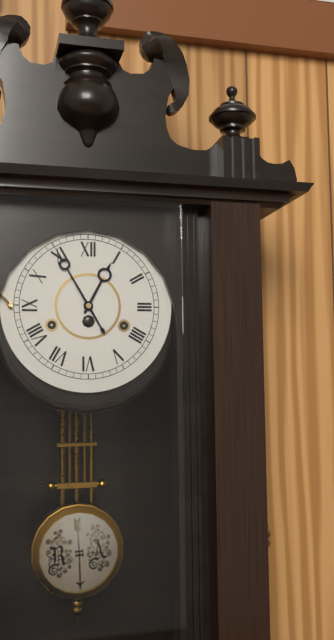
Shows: **12:55**
